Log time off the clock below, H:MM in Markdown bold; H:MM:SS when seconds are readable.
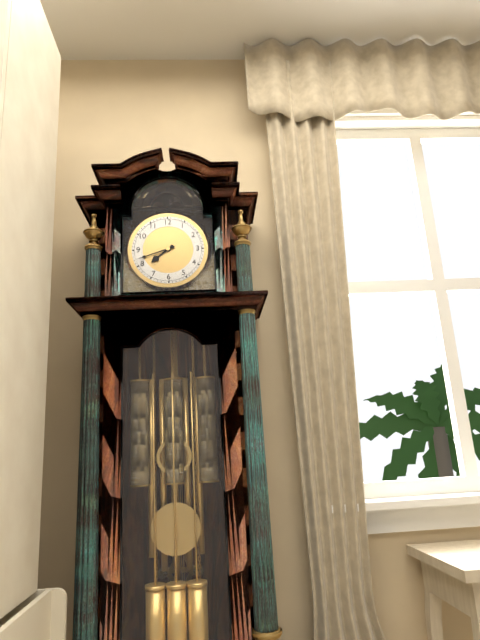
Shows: **7:42**
